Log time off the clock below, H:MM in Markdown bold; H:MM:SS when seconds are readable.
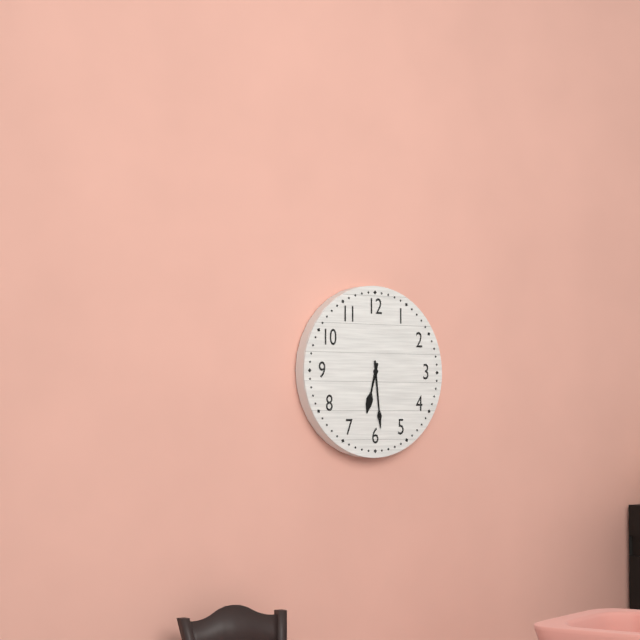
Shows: **6:29**
